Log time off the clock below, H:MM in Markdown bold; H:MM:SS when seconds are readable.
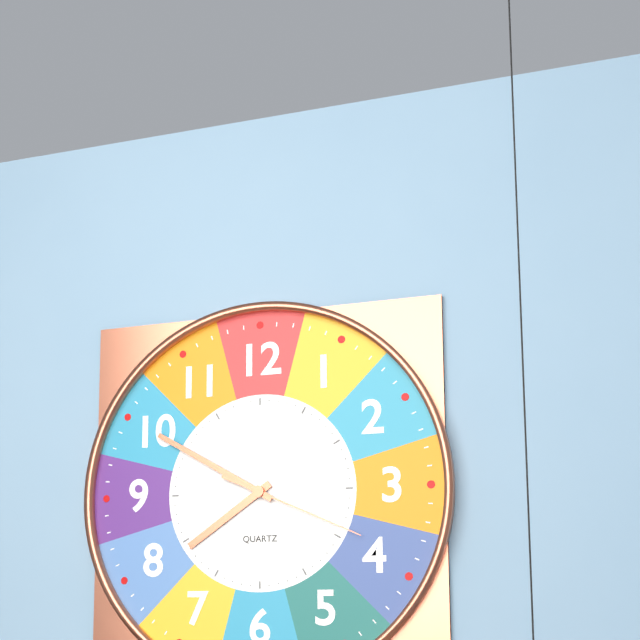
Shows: **7:50:19**
